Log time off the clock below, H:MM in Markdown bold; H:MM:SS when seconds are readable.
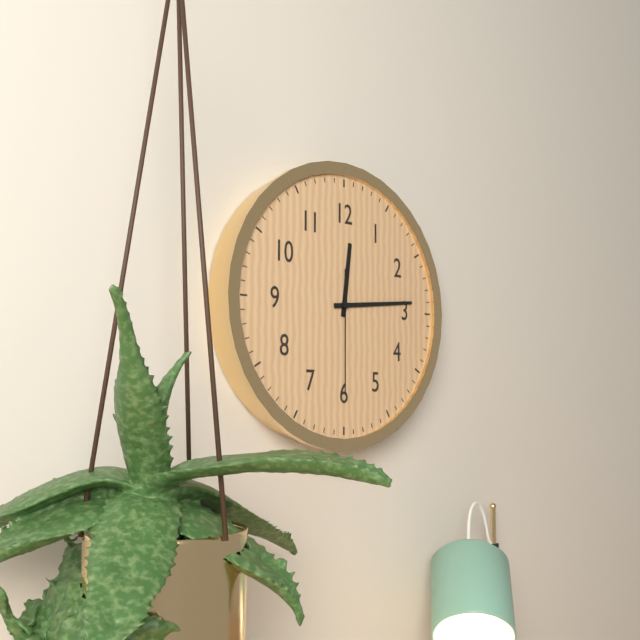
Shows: **12:14:30**
